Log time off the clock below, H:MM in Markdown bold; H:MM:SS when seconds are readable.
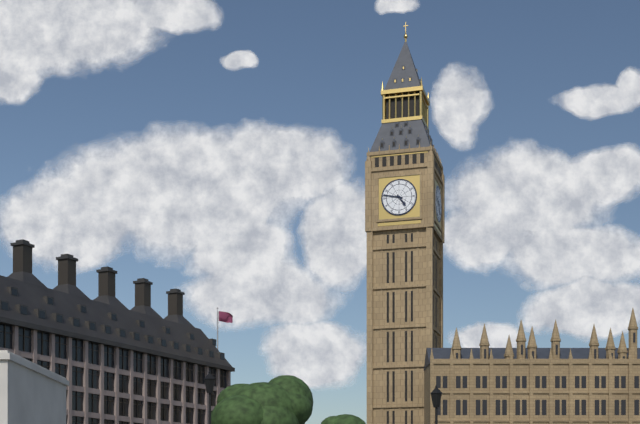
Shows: **4:47**
